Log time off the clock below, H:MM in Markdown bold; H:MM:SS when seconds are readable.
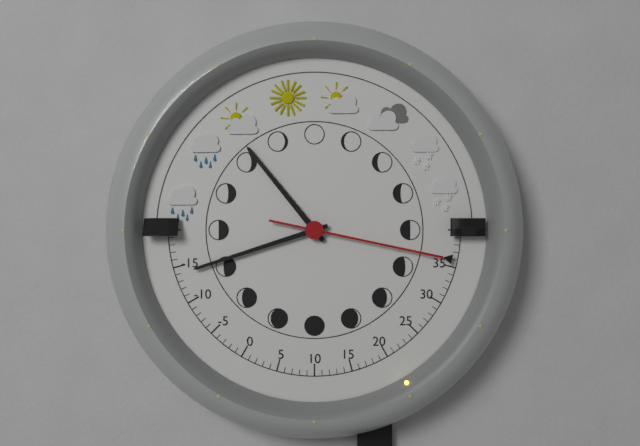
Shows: **10:42:17**
